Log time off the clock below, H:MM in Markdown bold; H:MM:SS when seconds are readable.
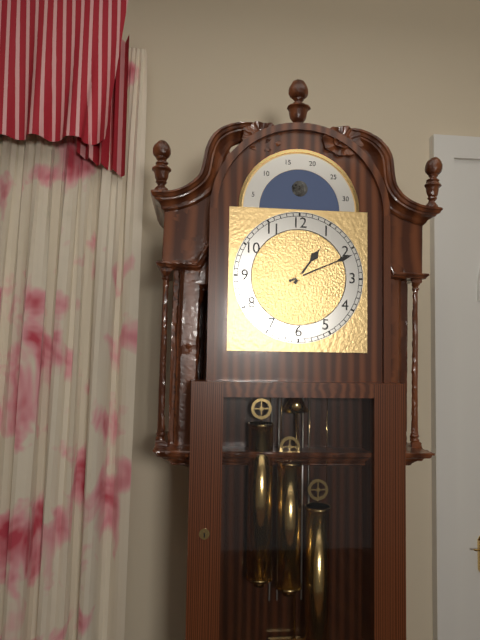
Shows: **1:11**
